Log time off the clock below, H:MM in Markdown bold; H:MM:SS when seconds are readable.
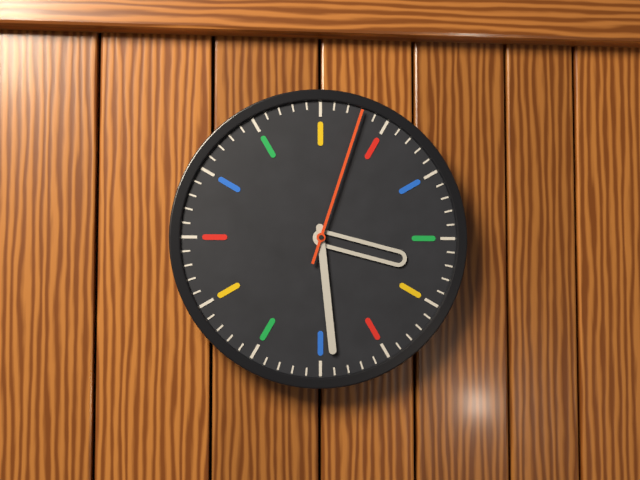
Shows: **3:29:03**
